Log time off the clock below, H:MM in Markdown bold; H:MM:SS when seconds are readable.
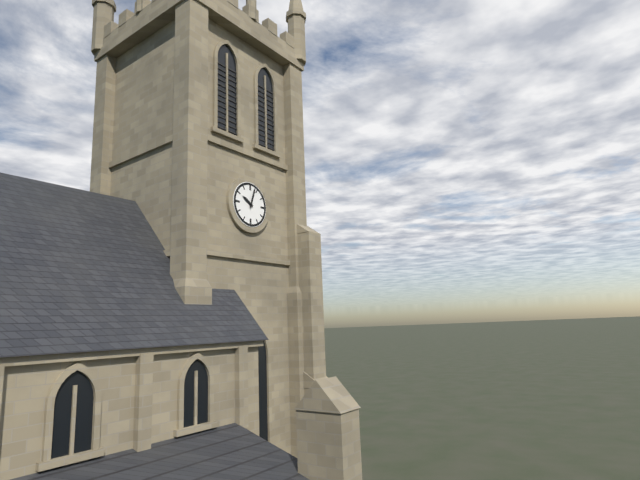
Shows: **10:03**
